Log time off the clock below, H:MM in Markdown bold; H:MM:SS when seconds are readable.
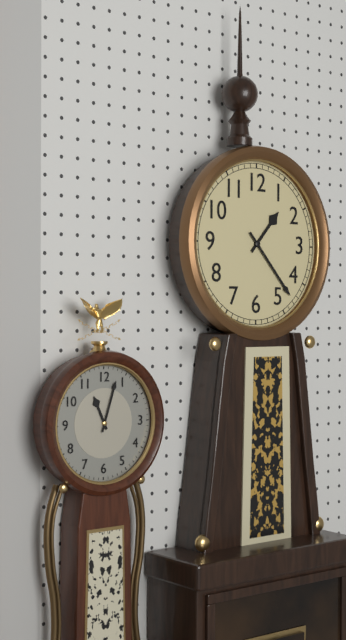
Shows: **1:23**
